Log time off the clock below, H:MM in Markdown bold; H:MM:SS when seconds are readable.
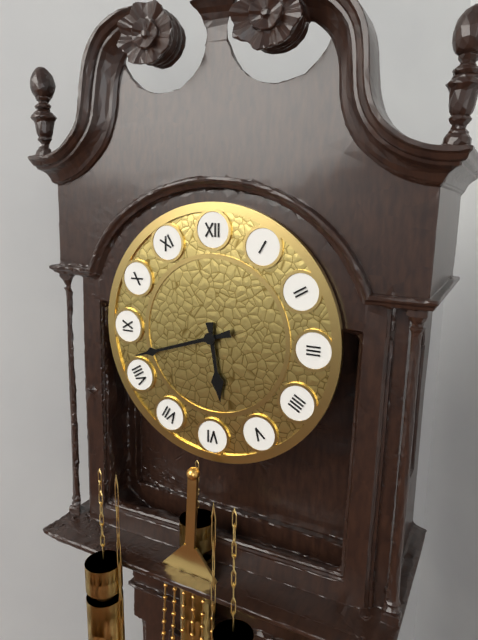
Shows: **5:42**
